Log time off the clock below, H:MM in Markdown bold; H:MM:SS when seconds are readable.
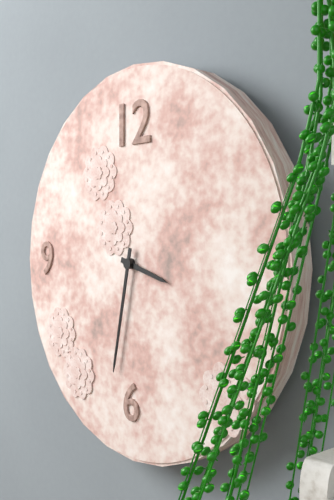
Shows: **3:32**
